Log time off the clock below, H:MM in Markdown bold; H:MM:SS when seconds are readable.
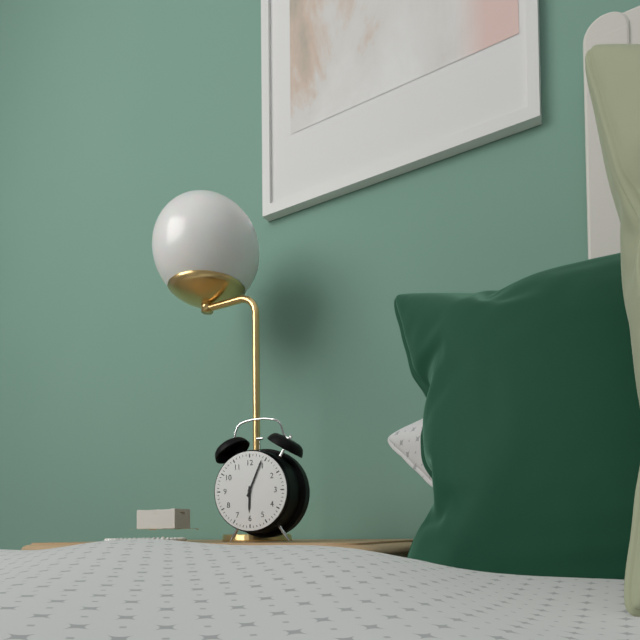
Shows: **6:04**
